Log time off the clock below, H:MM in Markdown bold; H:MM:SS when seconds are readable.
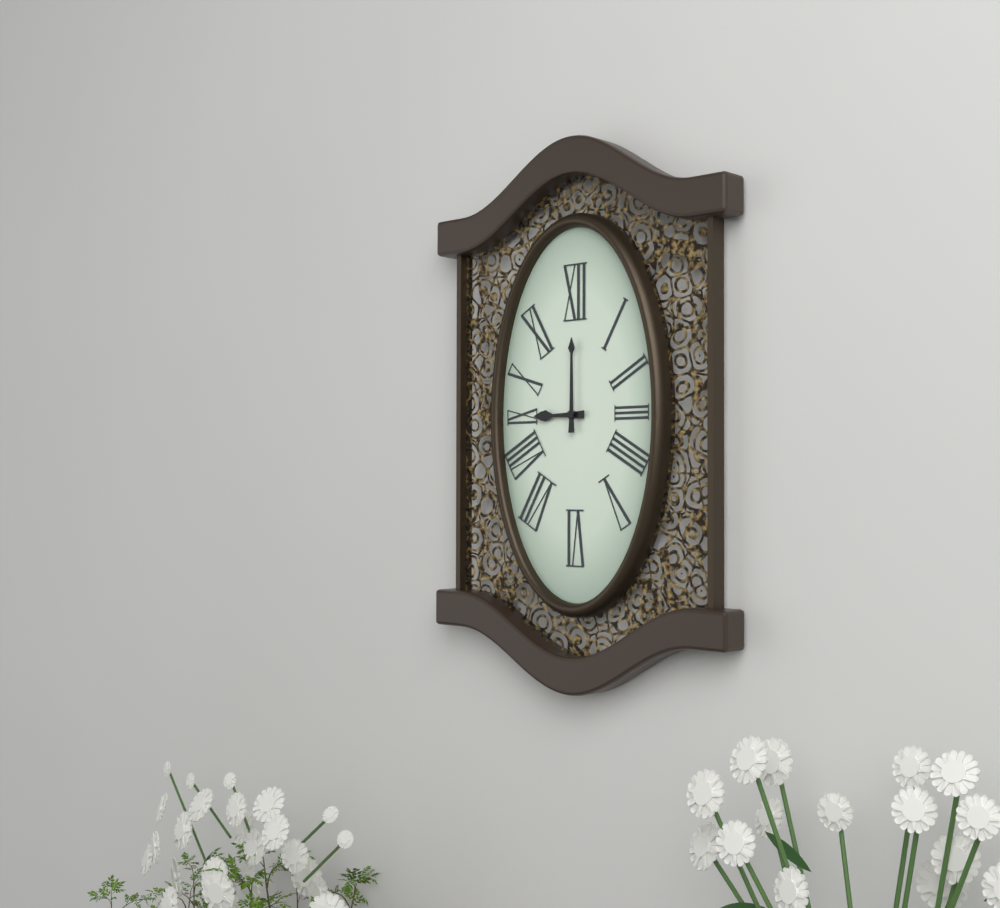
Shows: **9:00**
